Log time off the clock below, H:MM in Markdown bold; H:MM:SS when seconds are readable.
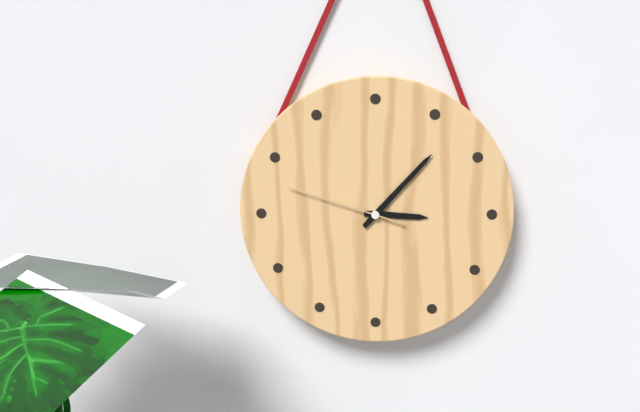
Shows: **3:07:48**
